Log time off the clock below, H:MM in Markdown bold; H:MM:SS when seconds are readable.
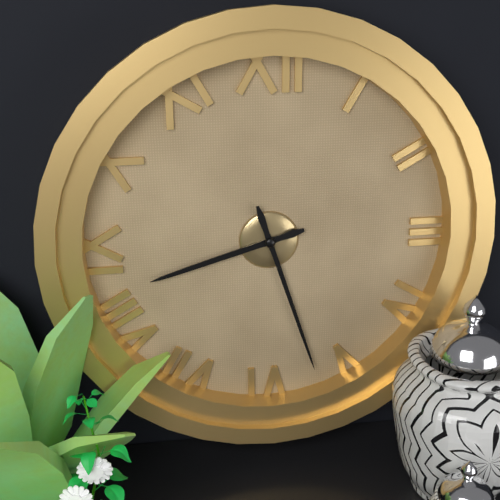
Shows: **8:27**
